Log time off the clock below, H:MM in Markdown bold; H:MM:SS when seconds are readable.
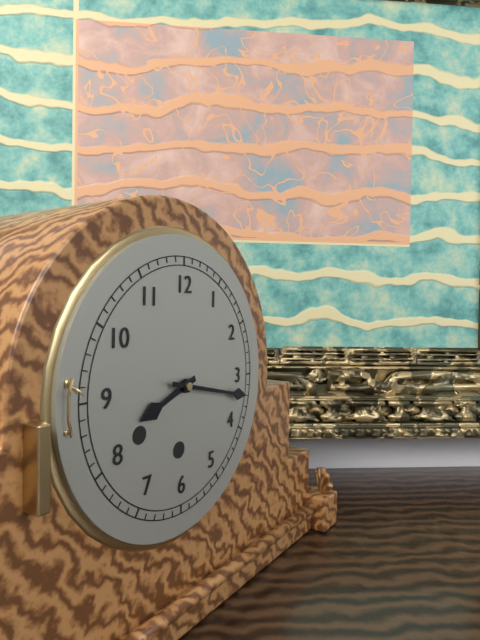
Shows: **8:17**
